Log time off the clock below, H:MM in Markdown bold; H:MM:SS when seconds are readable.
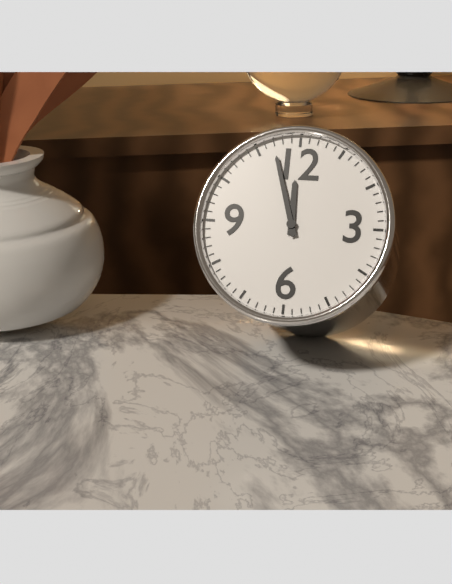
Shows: **11:57**
